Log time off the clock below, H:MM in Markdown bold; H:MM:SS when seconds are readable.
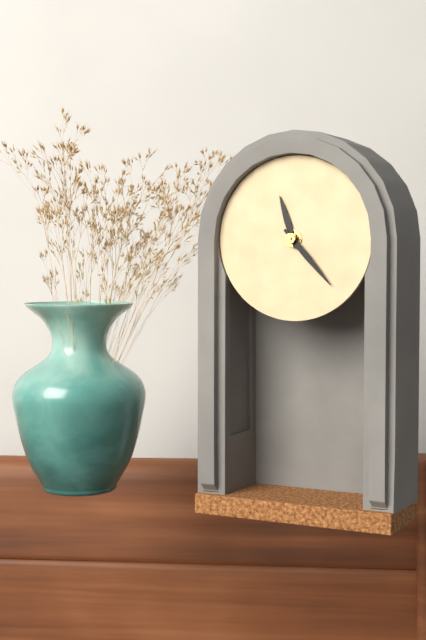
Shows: **11:23**
